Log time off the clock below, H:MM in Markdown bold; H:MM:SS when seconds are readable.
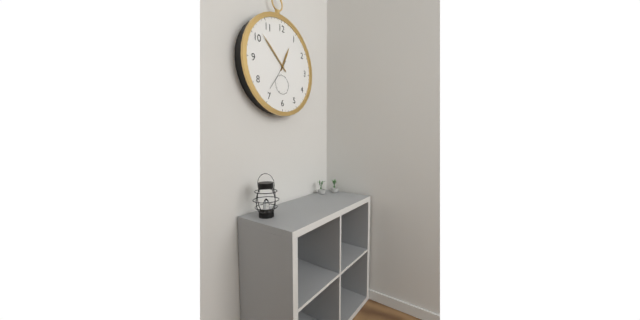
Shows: **12:52**
